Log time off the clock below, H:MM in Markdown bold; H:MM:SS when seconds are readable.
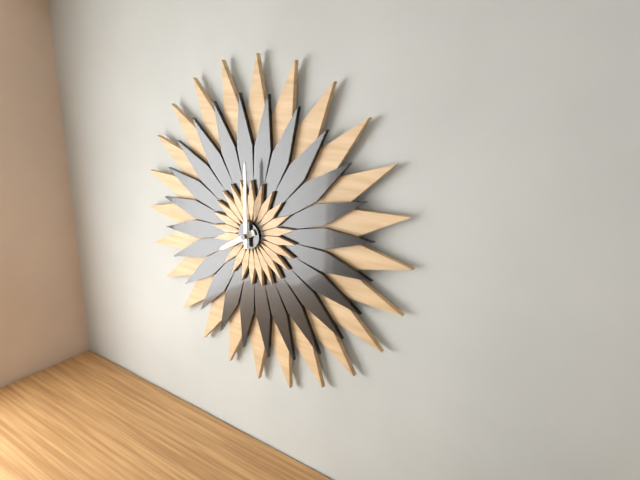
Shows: **8:00**
